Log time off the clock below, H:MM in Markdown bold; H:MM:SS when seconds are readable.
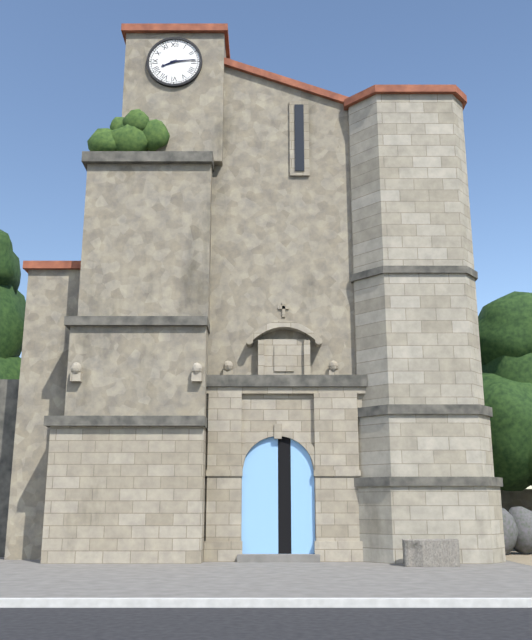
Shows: **8:14**
